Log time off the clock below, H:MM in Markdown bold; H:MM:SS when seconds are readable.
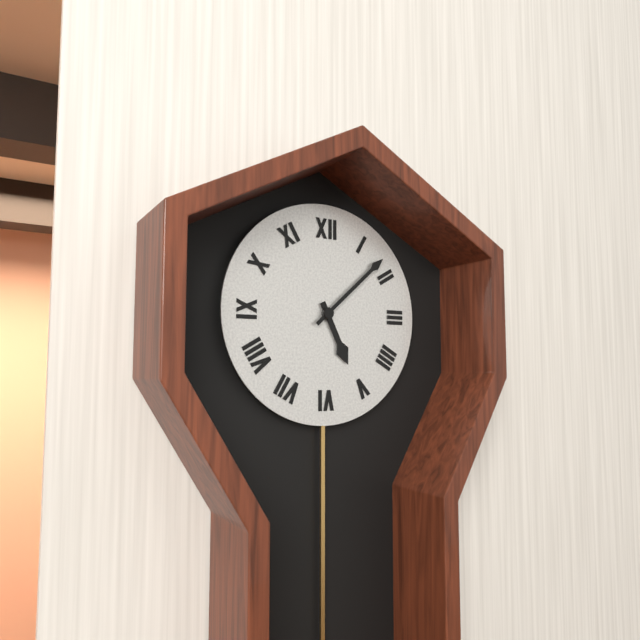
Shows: **5:08**
